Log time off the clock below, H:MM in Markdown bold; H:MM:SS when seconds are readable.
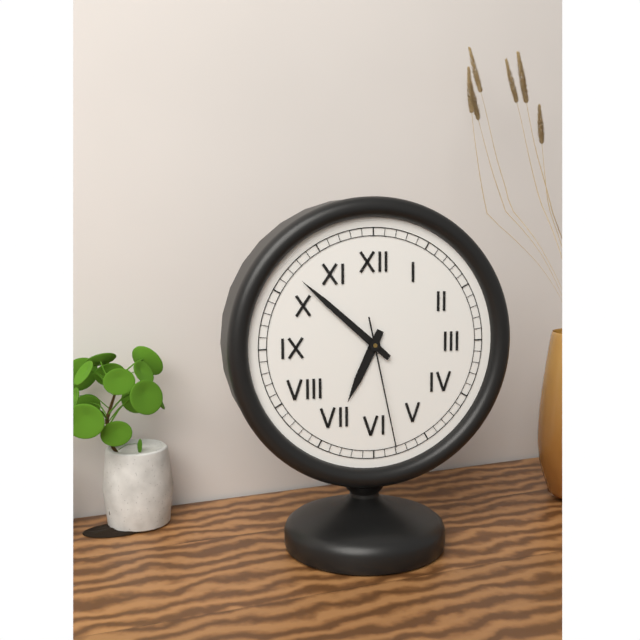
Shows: **6:52:28**
